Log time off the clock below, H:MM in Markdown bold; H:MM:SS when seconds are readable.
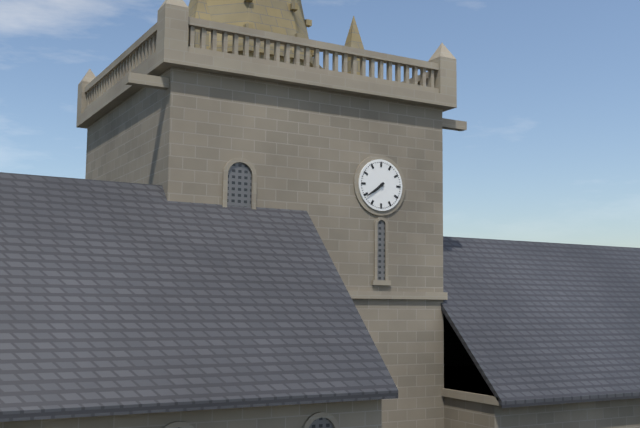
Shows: **7:39**
